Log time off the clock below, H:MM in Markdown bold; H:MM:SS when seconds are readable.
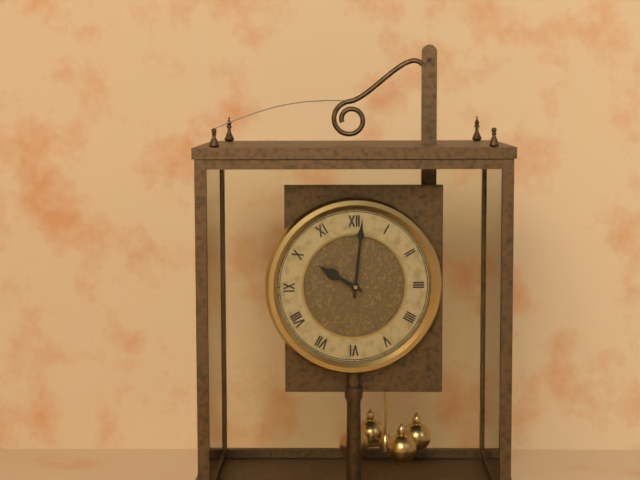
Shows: **10:01**
